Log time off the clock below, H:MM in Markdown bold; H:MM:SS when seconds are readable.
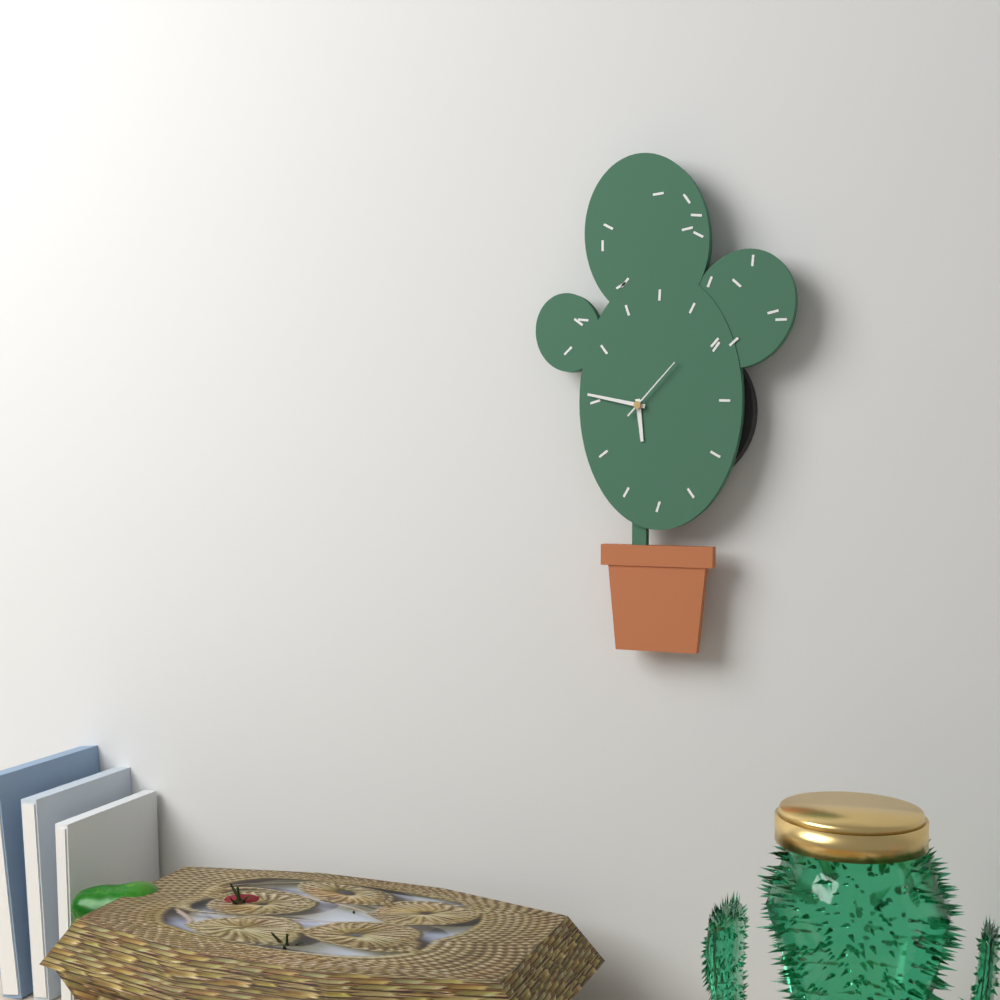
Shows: **5:47:07**
